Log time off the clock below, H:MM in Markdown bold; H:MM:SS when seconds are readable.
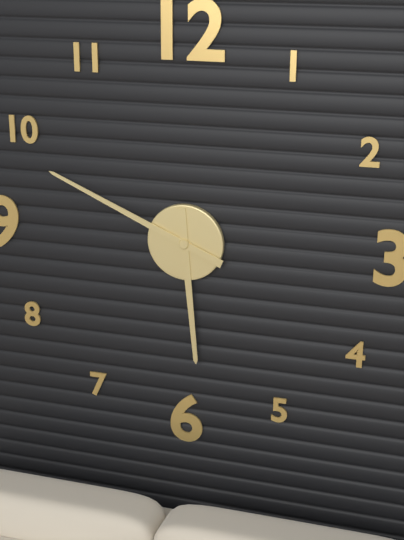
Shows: **5:49**
